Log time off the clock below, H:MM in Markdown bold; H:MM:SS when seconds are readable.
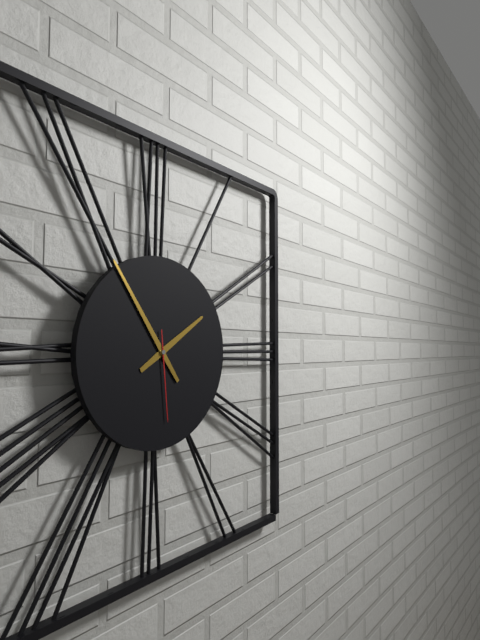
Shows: **1:54:29**
